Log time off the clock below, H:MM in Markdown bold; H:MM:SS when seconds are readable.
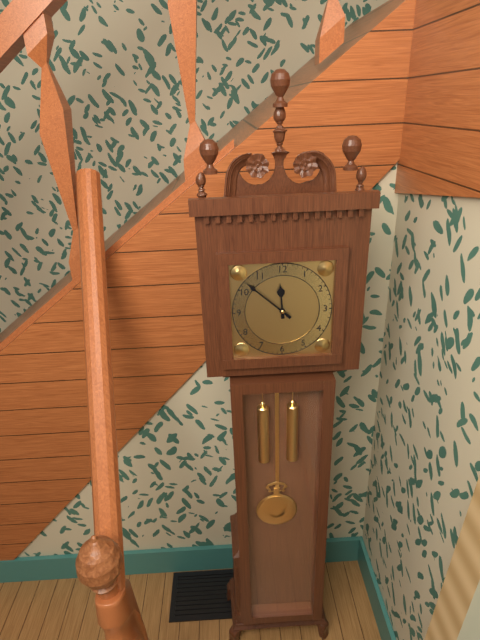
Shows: **11:52**
